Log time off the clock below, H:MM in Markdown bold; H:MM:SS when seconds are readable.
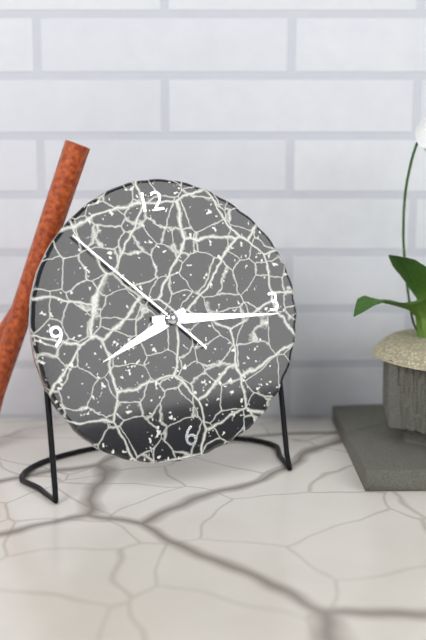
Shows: **8:16:53**
